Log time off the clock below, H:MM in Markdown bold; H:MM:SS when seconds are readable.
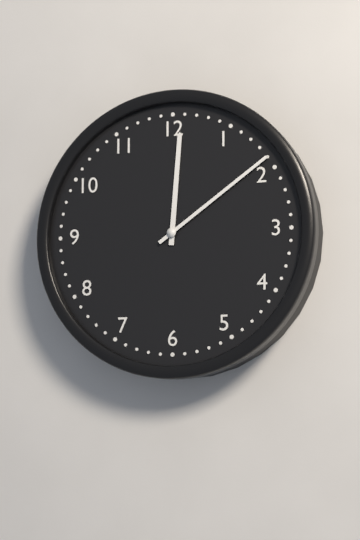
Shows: **12:09**
